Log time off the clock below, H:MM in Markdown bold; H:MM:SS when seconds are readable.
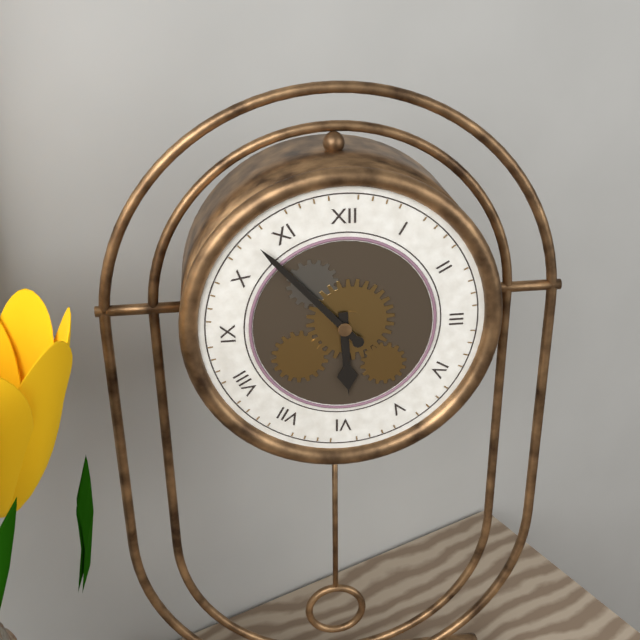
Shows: **5:53**
